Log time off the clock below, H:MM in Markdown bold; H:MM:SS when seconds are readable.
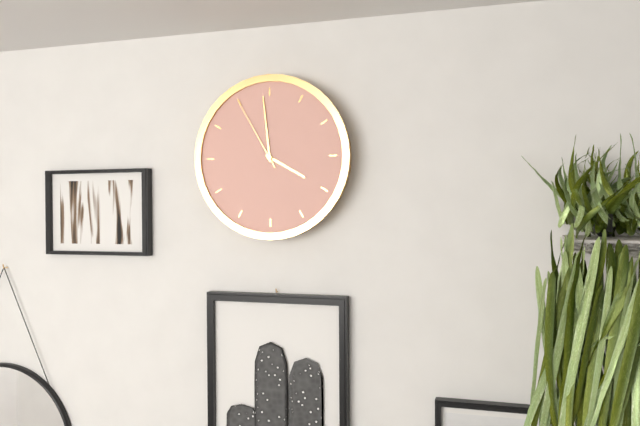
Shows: **3:59:55**
